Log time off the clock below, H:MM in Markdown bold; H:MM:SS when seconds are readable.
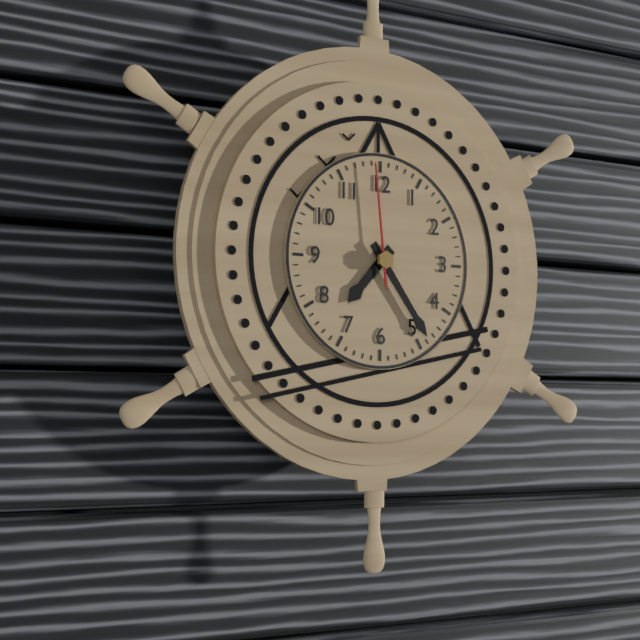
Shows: **7:24:59**
